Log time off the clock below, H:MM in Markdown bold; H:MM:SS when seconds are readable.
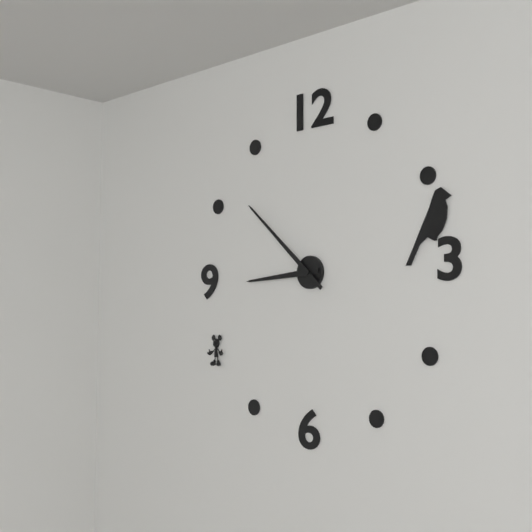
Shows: **8:52**
